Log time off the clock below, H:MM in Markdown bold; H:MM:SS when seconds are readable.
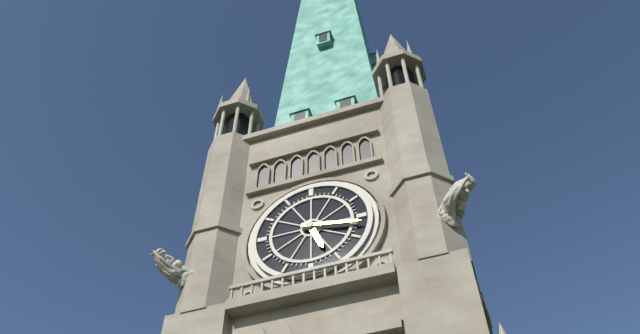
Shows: **5:17**
